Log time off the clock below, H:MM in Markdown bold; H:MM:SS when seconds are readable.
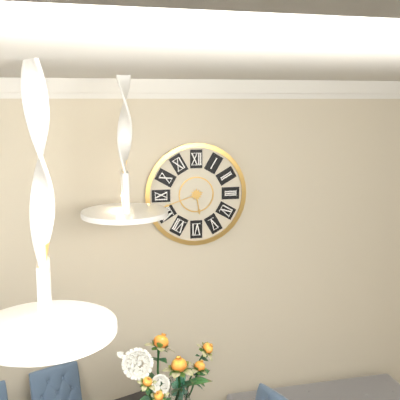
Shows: **5:42**
